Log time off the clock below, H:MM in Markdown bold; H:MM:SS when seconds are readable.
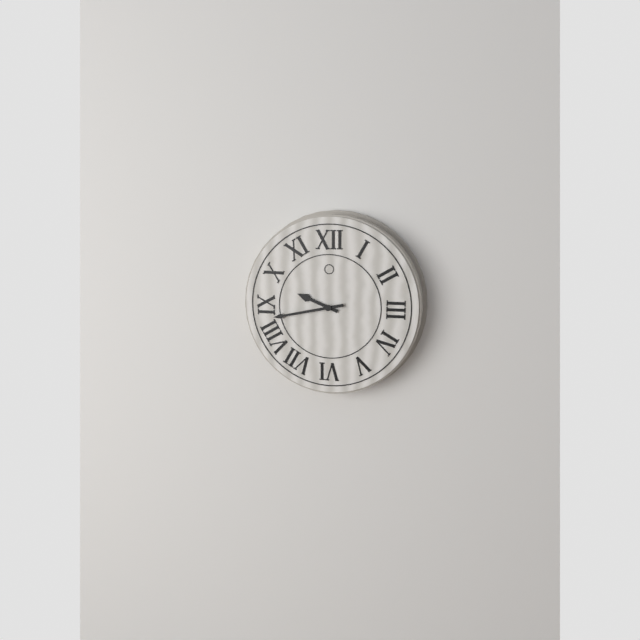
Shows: **9:43**
